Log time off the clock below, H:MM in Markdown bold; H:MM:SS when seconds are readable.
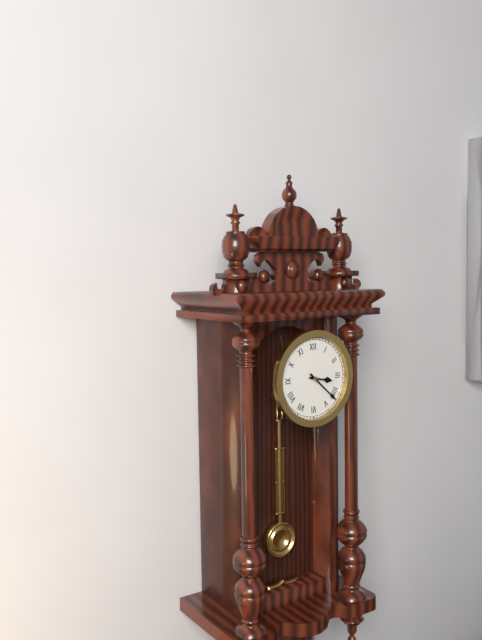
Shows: **3:22**
